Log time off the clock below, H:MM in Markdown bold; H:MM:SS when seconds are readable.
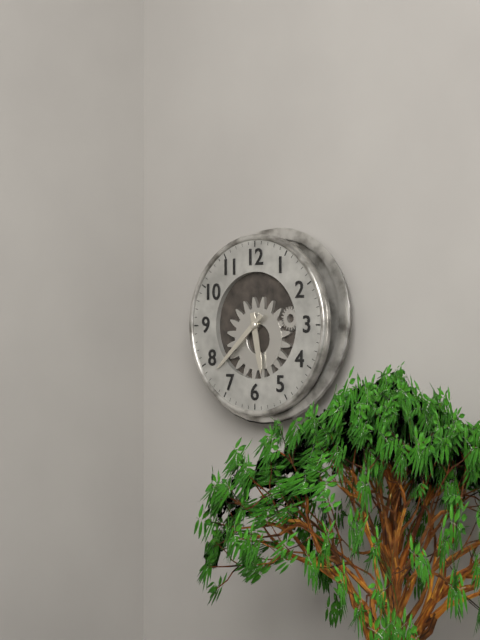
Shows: **5:38**
